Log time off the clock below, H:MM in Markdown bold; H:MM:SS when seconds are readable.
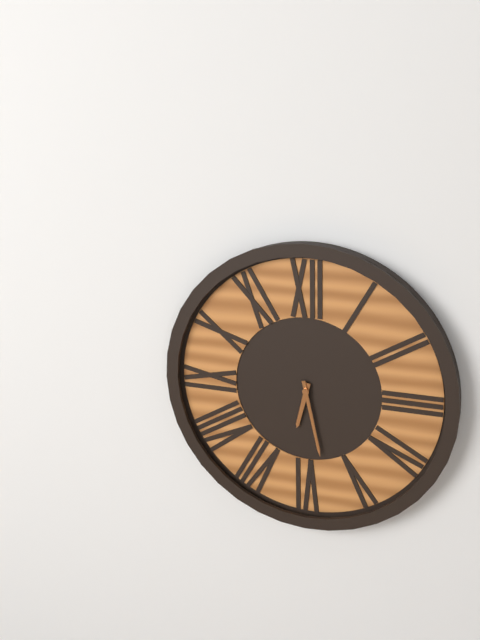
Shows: **6:28**
